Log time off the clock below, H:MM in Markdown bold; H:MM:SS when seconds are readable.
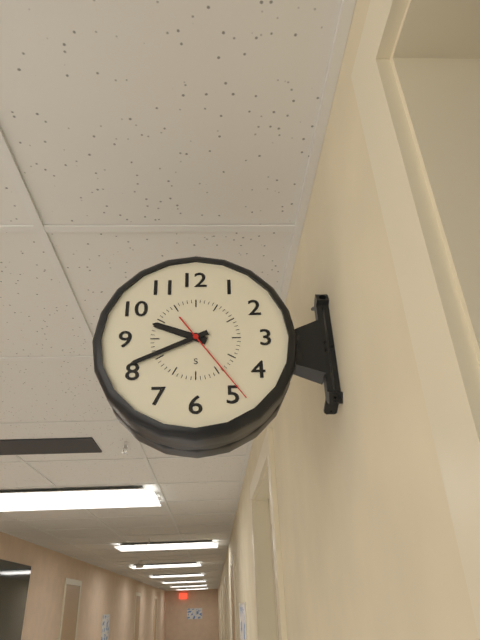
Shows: **9:41:24**
